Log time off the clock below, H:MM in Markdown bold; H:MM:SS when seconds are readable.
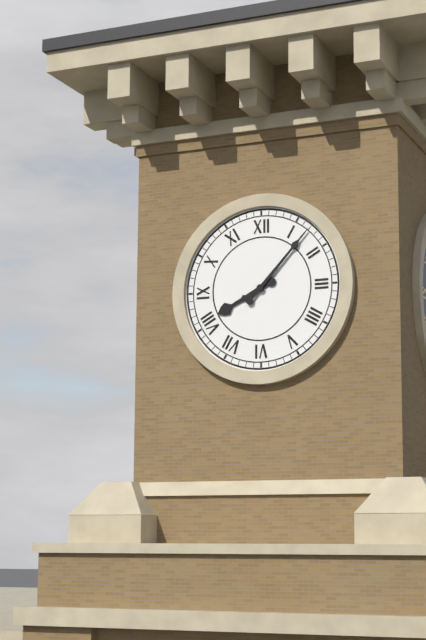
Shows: **8:07**
